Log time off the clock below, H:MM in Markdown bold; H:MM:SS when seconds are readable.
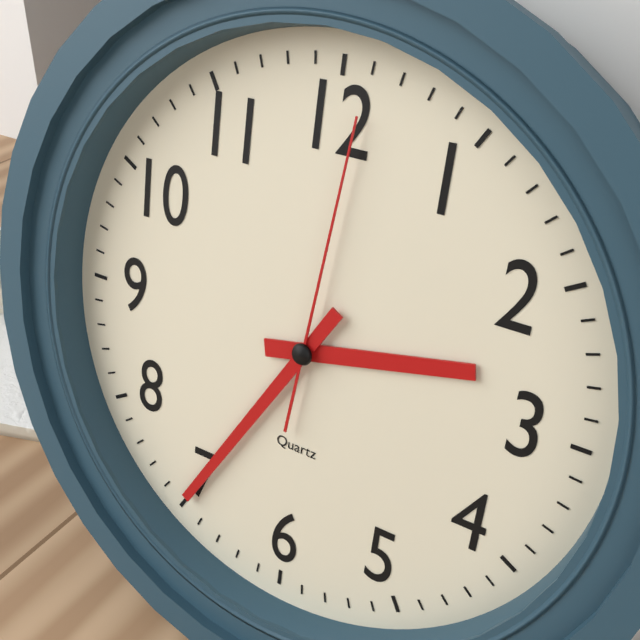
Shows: **2:35:01**
